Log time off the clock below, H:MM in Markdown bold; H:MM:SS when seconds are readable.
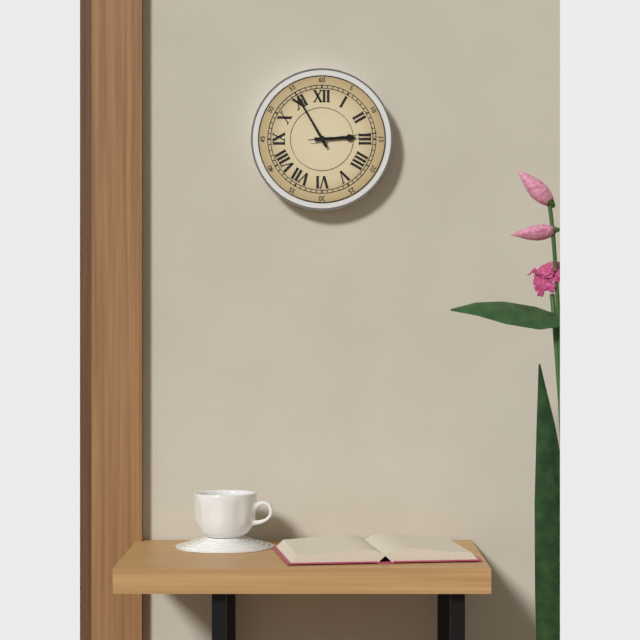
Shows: **2:55:14**
